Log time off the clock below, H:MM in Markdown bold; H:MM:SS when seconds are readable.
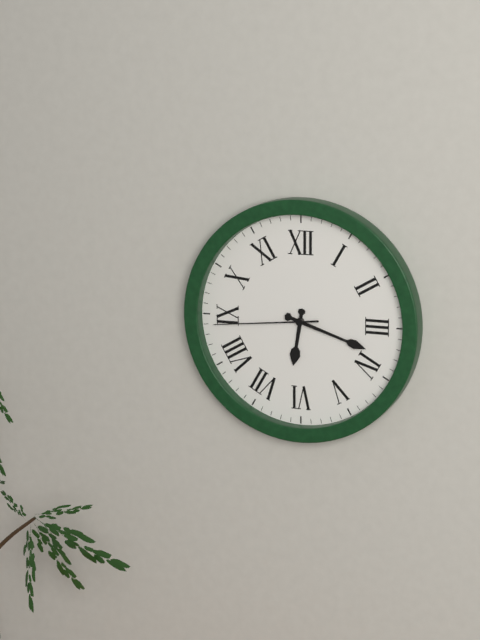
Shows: **6:18:44**
